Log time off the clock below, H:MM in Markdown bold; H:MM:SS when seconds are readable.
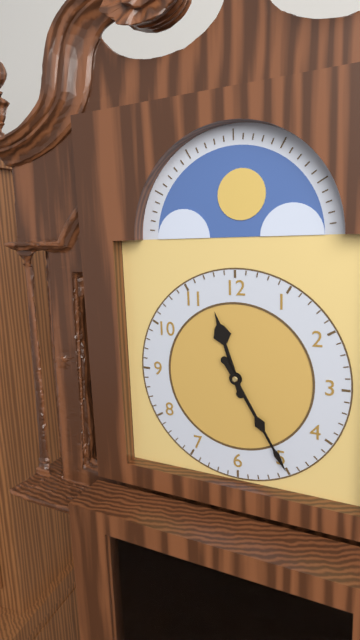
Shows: **11:25**
